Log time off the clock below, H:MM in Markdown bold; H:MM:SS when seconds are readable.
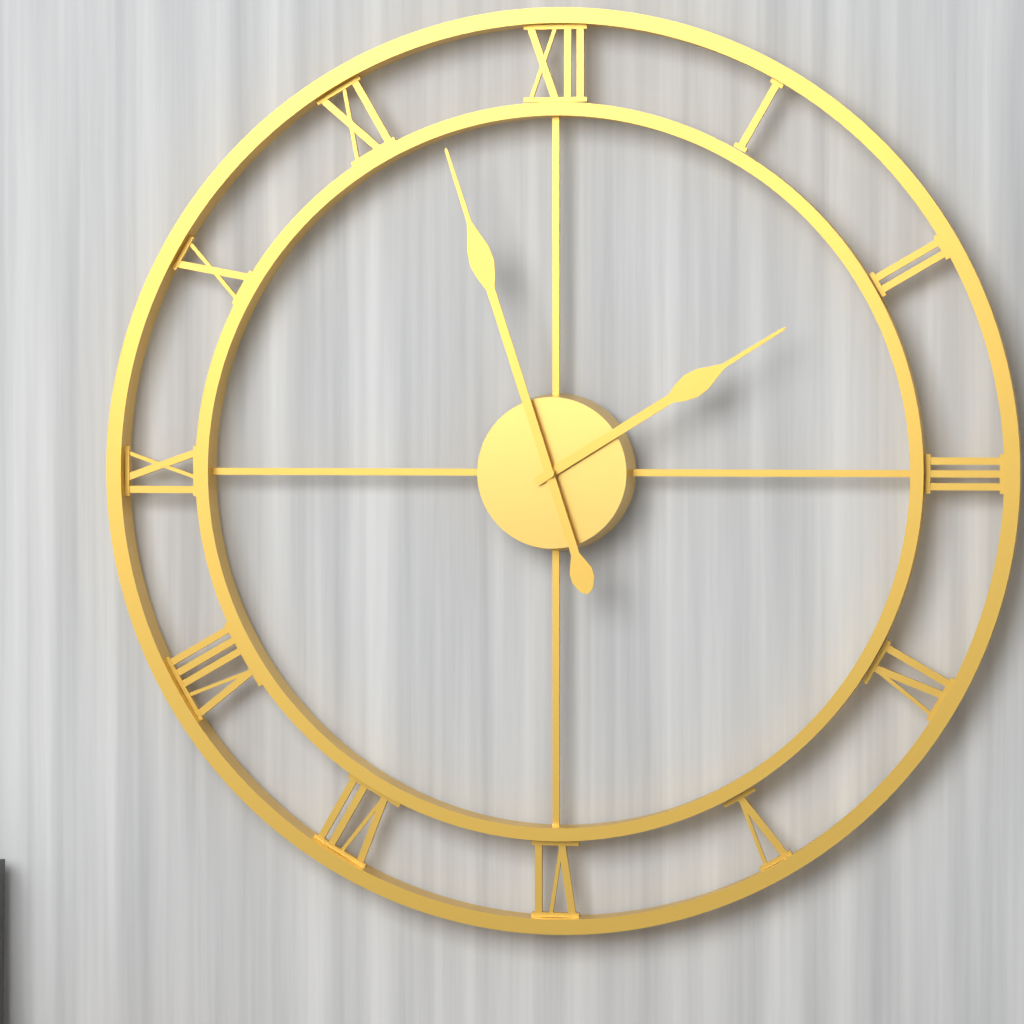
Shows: **1:57**
